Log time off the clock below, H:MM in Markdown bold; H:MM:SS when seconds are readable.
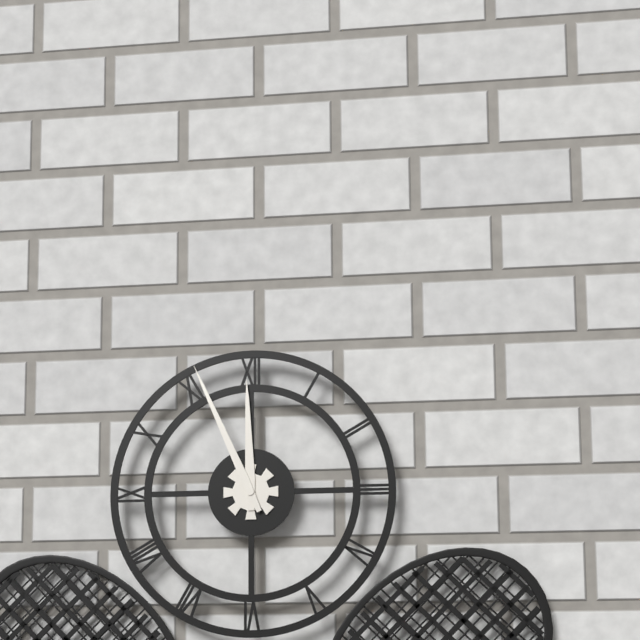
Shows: **11:56**
